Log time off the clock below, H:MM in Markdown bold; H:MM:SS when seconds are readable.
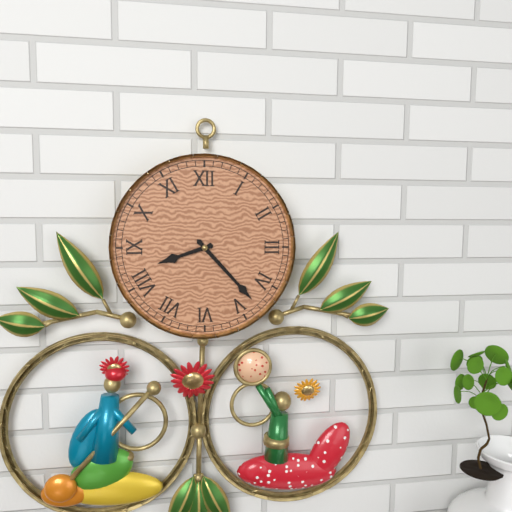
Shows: **8:23**
